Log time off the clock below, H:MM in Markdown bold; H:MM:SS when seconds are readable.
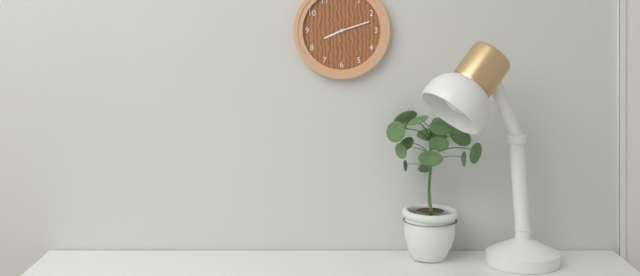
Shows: **8:12**
